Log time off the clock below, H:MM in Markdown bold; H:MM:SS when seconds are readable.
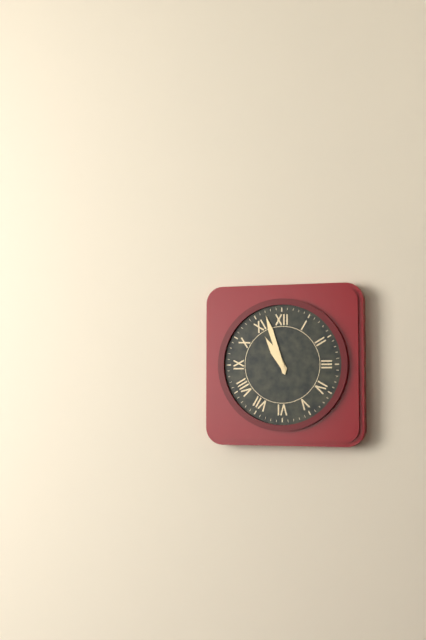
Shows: **10:57**
